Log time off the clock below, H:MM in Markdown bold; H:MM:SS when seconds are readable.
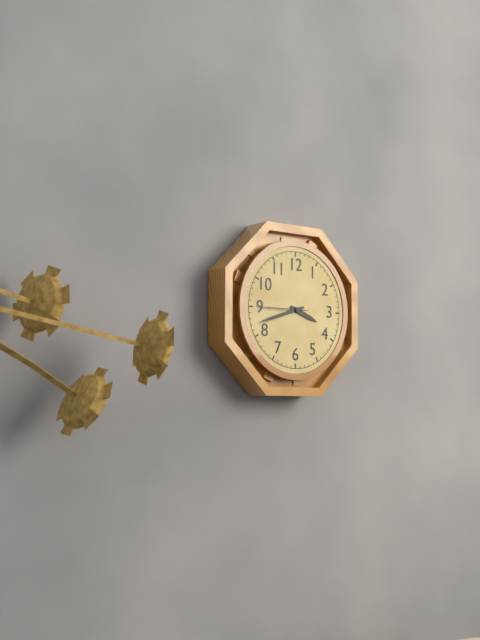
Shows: **3:42:45**
